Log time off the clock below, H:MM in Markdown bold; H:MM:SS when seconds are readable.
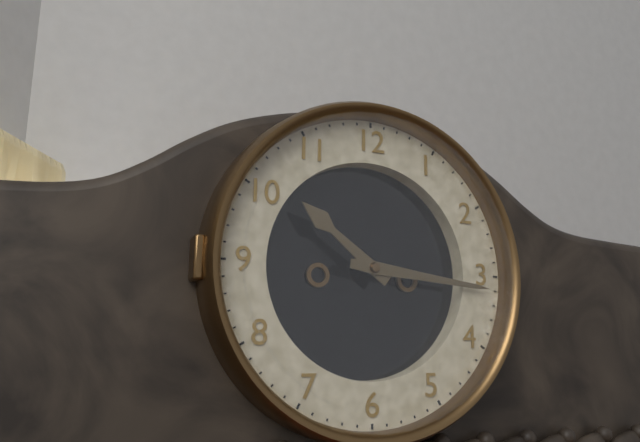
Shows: **10:16**
